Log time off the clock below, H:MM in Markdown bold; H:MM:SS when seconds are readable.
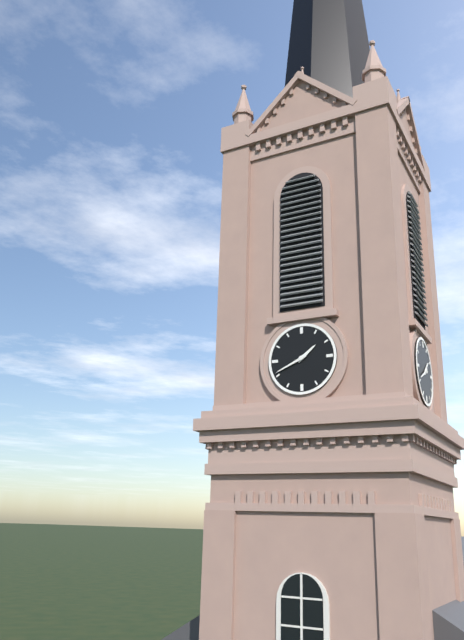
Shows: **1:41**
